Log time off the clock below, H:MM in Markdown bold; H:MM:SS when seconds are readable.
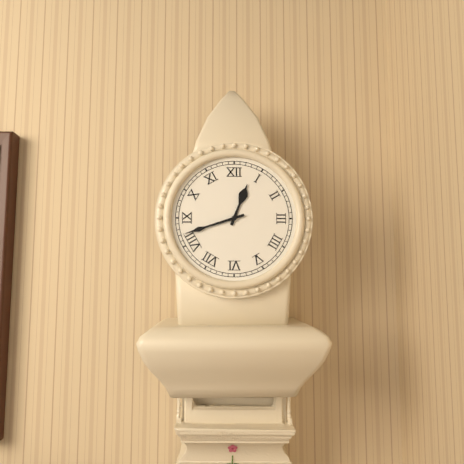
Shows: **12:42**
